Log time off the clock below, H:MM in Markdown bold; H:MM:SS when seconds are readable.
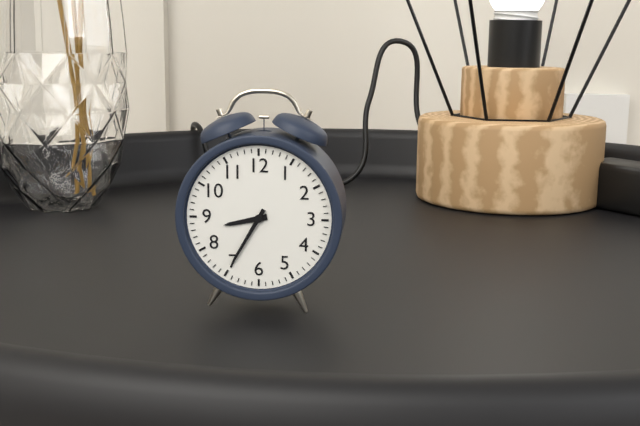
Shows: **8:35**
